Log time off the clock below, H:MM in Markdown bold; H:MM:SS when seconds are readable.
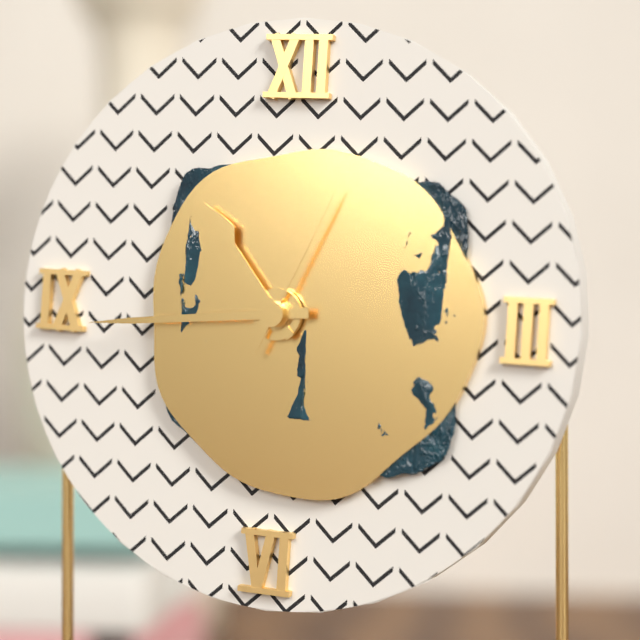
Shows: **10:44:04**
